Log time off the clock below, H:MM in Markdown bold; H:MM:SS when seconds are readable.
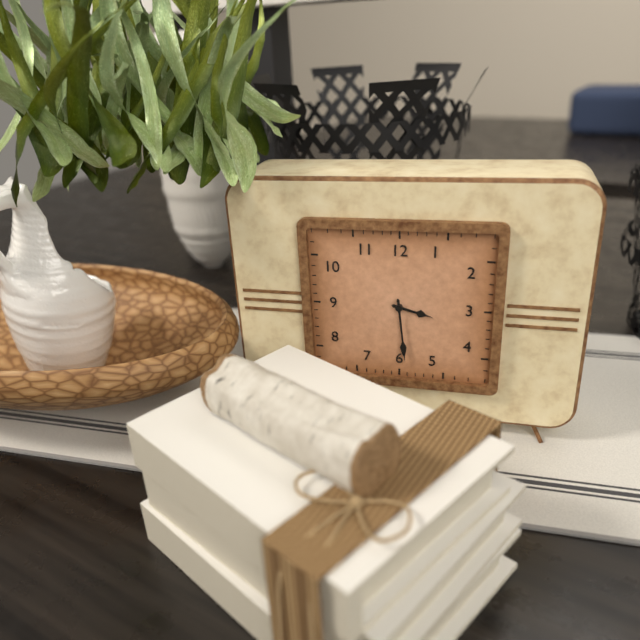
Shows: **3:29**
